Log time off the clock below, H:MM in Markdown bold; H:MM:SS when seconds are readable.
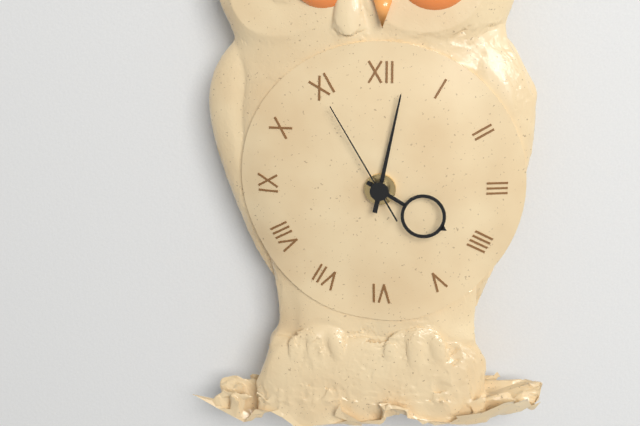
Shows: **4:02:55**
